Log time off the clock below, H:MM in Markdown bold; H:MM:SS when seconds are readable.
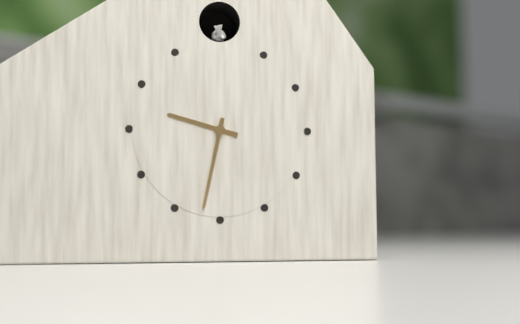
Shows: **9:32**
